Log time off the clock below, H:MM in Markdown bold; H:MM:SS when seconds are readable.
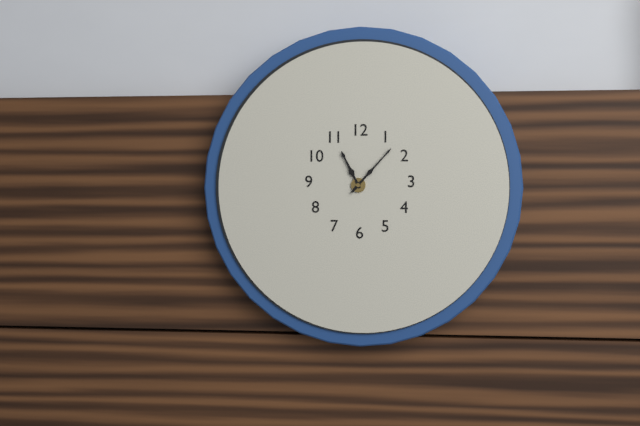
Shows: **11:07**
